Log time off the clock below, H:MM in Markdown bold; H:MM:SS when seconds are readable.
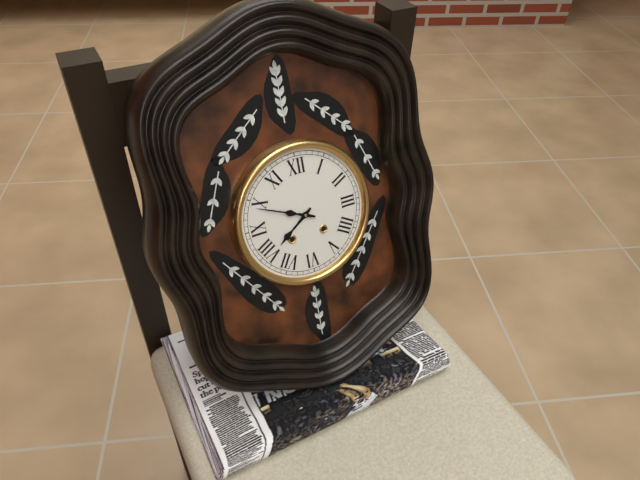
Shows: **7:49**
